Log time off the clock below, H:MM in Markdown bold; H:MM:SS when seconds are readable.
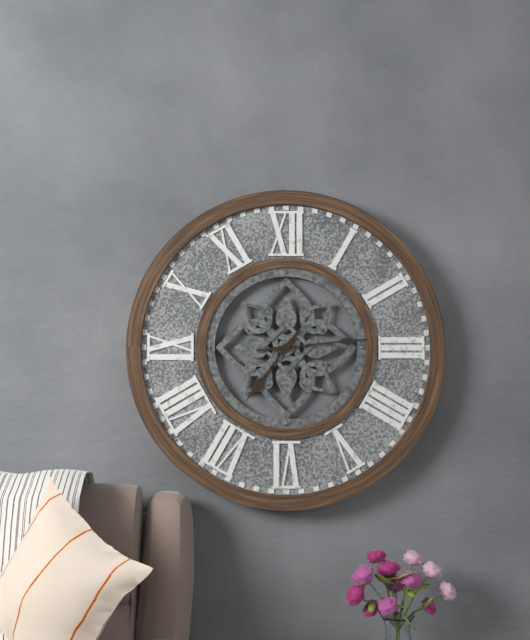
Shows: **7:14**
